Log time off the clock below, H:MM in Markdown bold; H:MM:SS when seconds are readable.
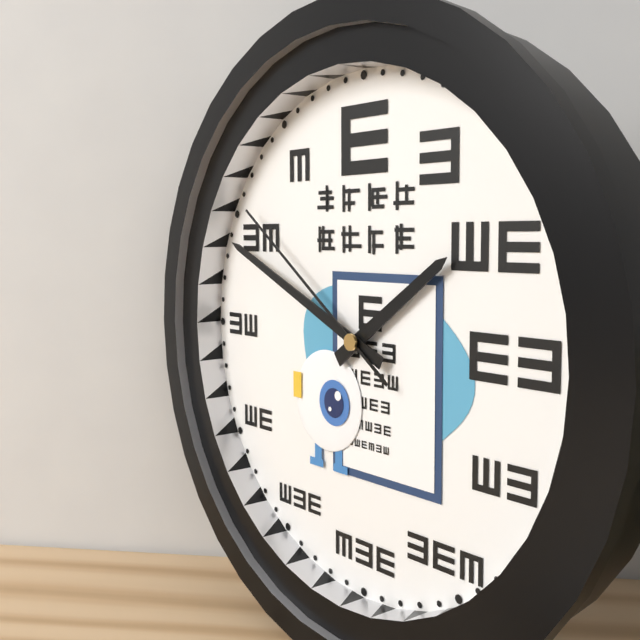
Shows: **1:49:51**
